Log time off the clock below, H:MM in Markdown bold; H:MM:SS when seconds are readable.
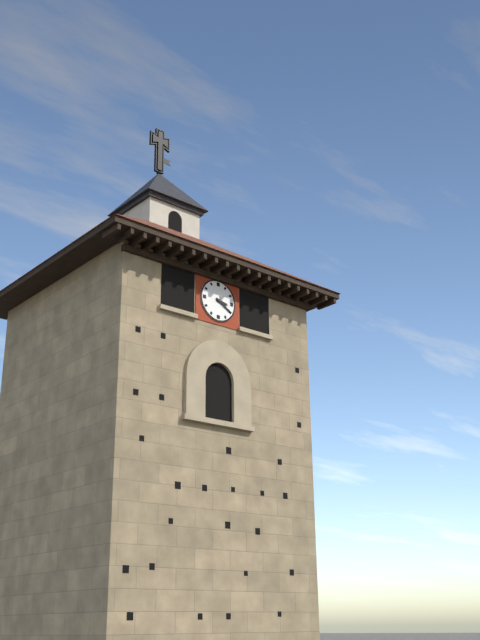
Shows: **3:20**
